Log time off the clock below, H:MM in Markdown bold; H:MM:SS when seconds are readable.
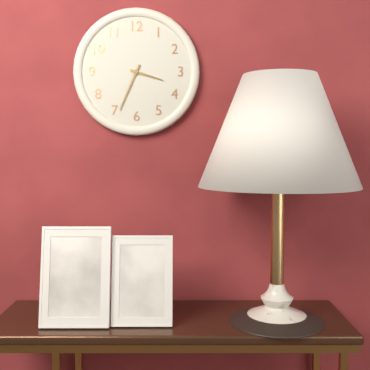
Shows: **3:34**
